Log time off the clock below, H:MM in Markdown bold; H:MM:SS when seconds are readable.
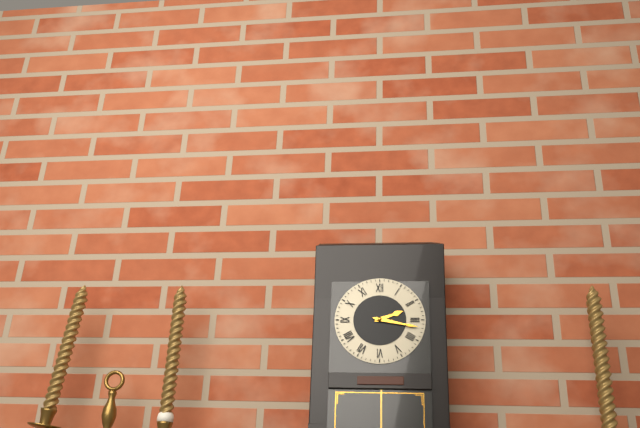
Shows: **2:17**
